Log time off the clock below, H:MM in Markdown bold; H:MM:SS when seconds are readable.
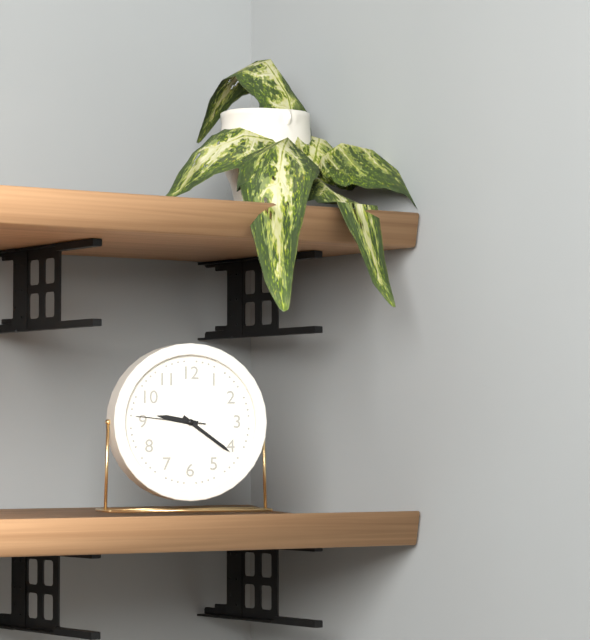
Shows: **9:21:46**
